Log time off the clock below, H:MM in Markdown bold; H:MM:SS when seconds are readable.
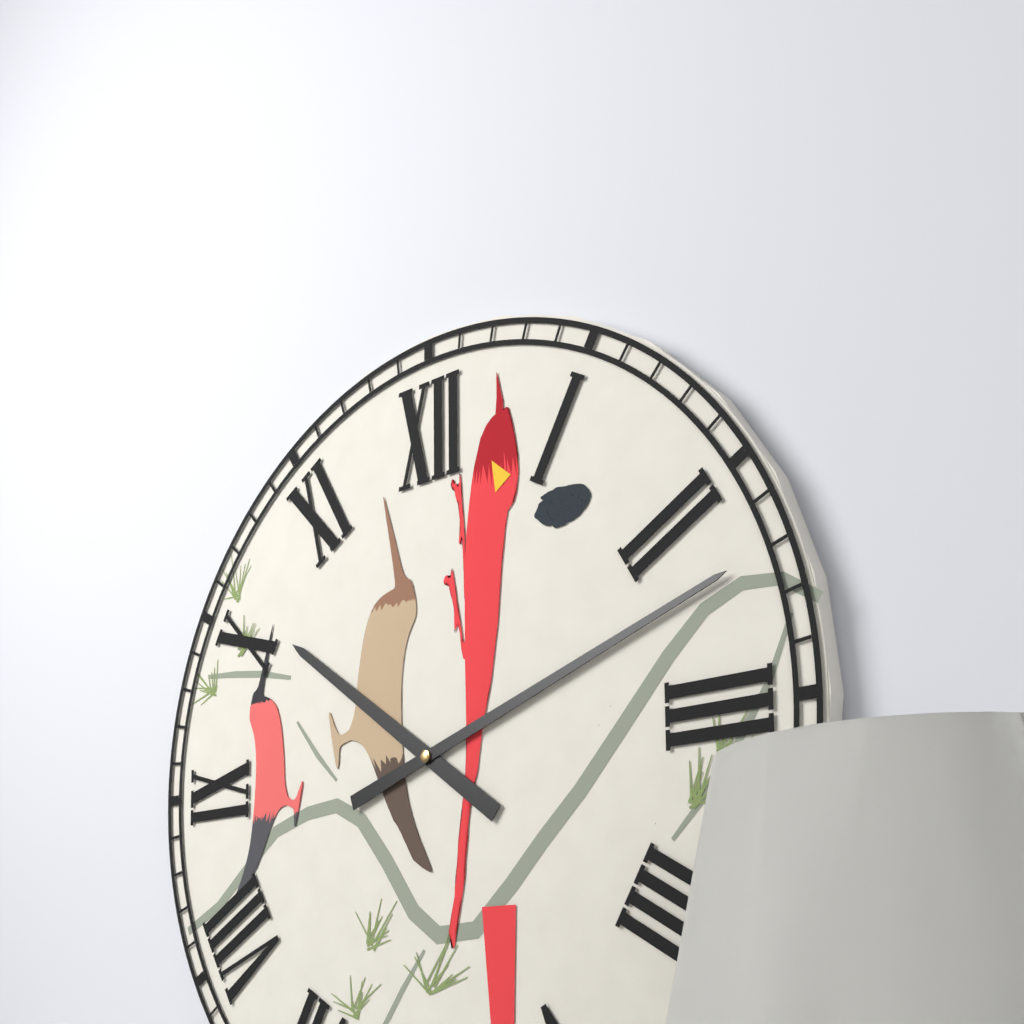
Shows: **10:12**
